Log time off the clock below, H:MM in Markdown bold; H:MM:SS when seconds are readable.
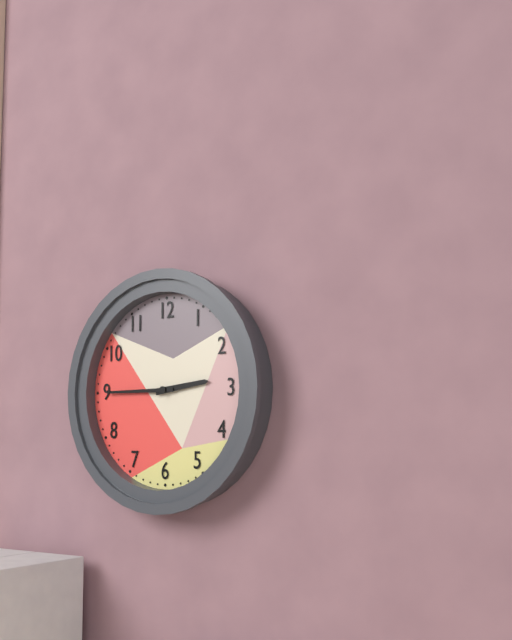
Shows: **2:45**
